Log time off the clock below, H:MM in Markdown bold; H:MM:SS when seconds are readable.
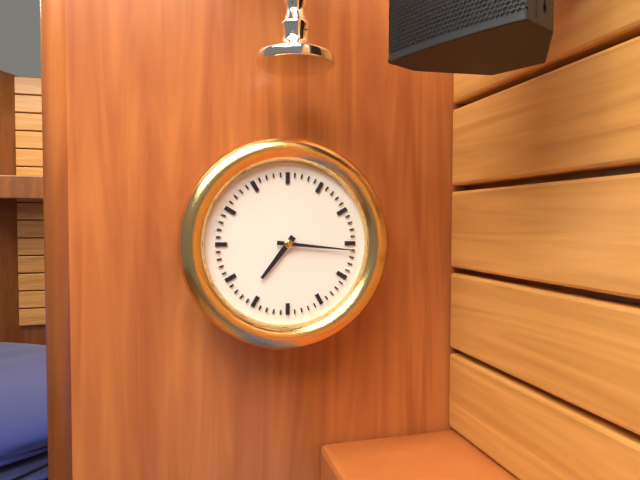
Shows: **7:16**
